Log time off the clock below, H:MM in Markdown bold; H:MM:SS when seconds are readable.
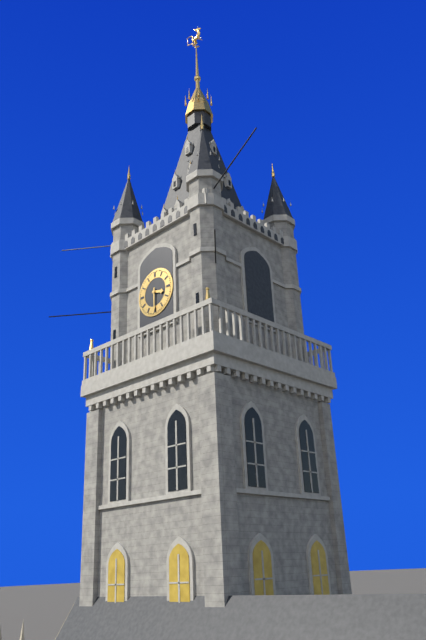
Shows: **3:30**
